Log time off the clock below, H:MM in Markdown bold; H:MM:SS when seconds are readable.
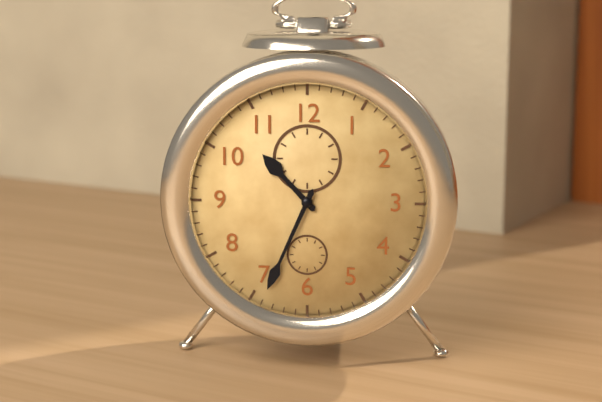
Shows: **10:34**
